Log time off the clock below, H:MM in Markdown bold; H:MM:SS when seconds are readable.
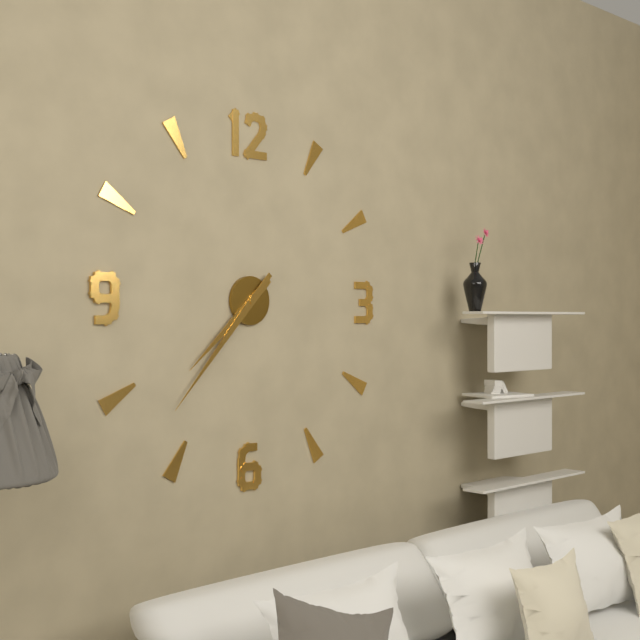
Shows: **7:37**
